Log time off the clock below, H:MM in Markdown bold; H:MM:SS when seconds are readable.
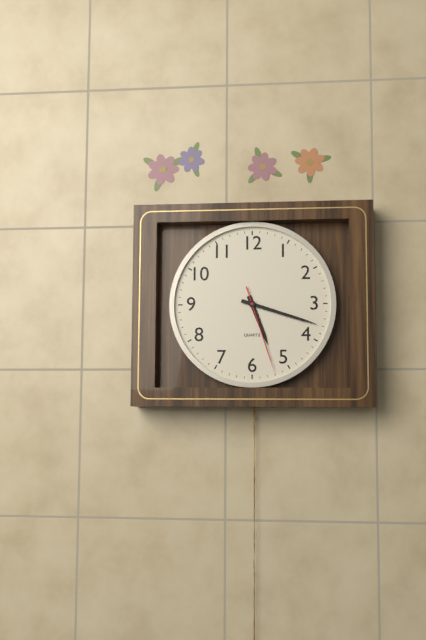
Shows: **5:18:27**
